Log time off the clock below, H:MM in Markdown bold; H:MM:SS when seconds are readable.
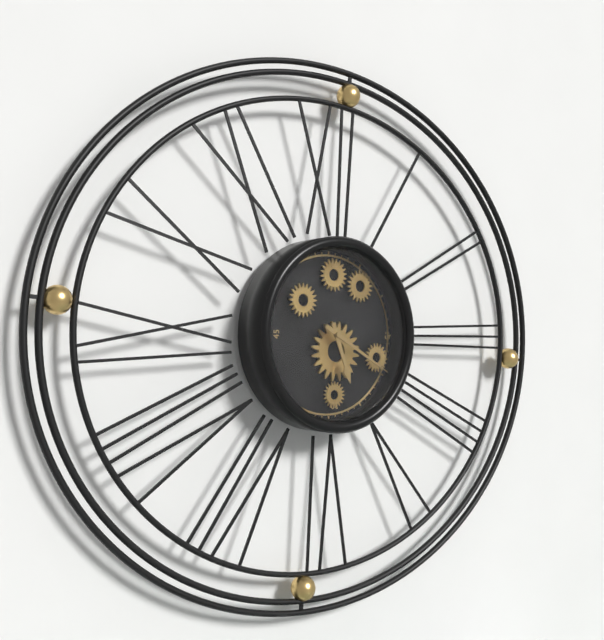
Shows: **5:20**
